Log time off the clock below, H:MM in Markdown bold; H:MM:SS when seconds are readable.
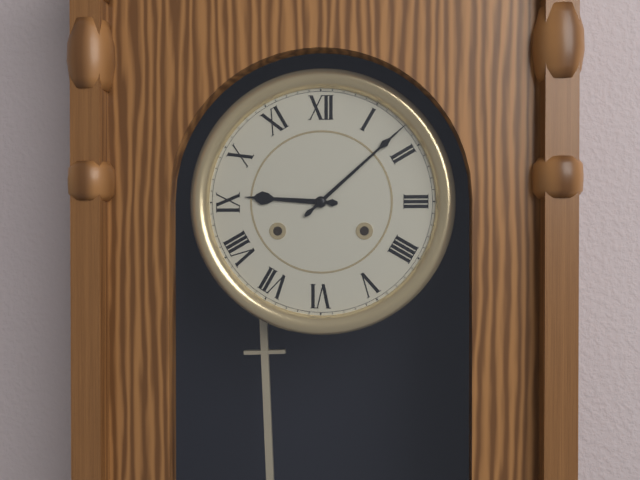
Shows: **9:08**
